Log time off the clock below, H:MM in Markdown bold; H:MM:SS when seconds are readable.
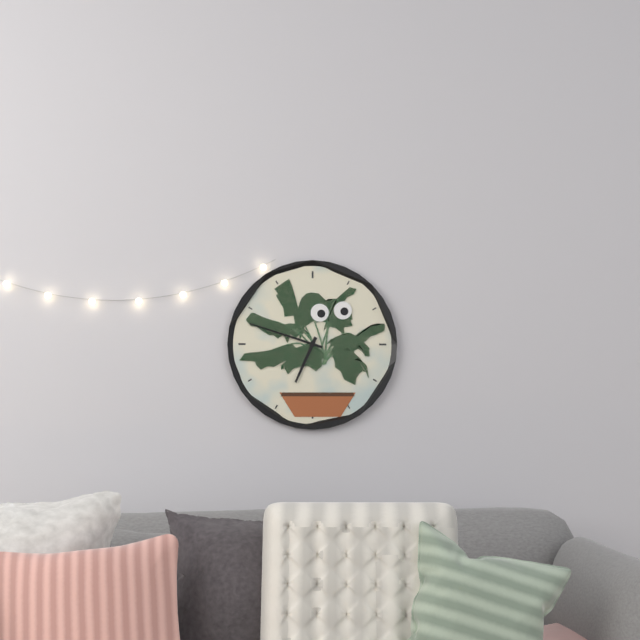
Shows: **6:48**
